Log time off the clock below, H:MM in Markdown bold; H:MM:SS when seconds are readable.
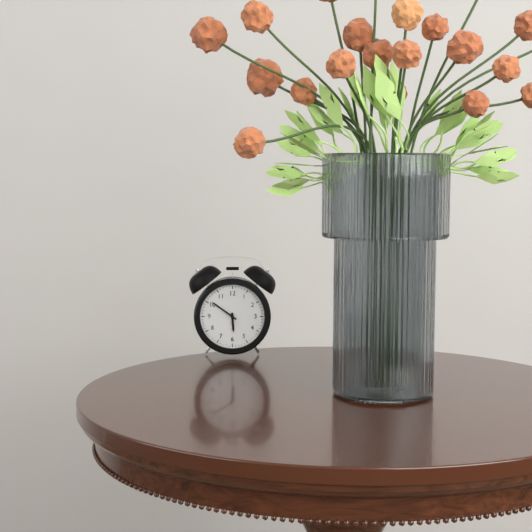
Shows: **5:51**
